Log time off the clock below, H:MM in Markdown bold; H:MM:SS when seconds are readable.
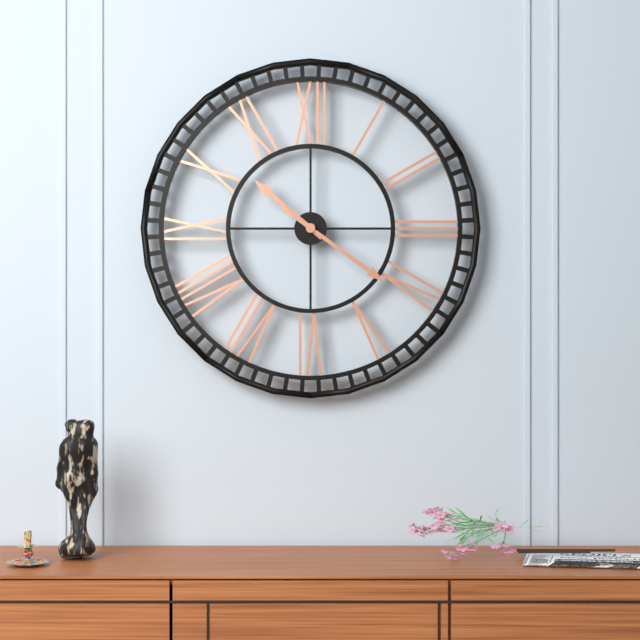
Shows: **10:21**
